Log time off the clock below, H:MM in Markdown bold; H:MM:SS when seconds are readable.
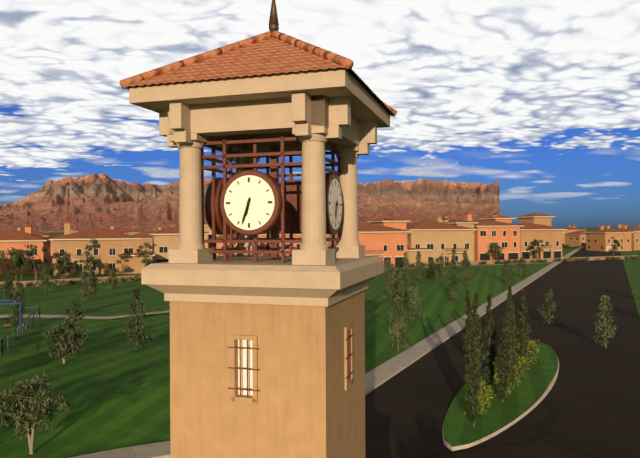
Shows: **6:33**
